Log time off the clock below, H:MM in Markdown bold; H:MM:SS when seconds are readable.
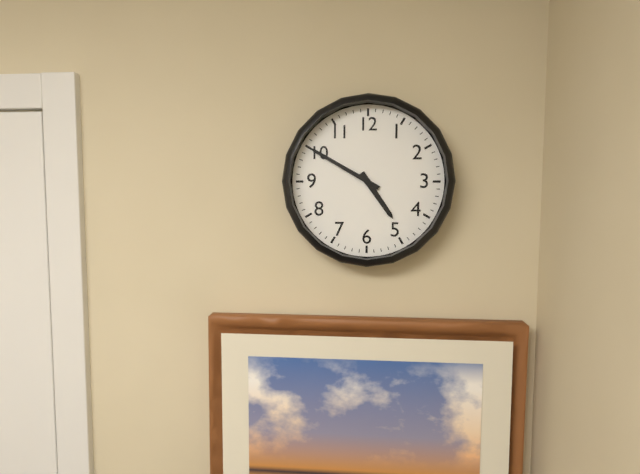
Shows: **4:50**
